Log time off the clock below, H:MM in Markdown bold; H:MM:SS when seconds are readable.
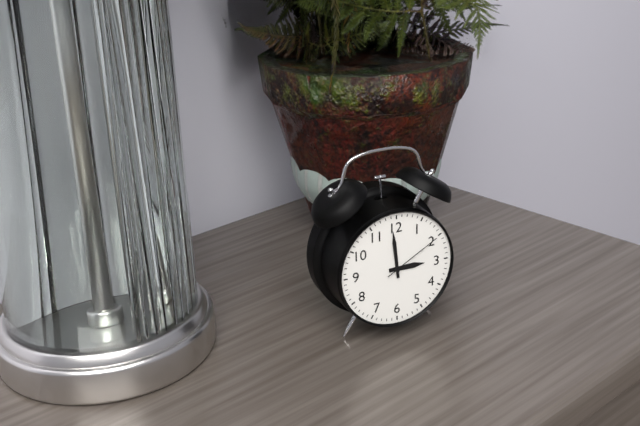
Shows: **2:59:10**
